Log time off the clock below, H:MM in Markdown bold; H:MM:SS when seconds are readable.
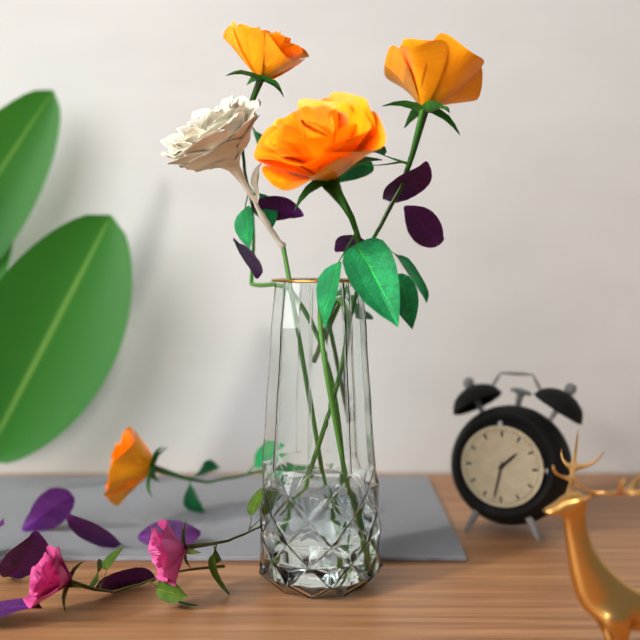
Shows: **1:32**
